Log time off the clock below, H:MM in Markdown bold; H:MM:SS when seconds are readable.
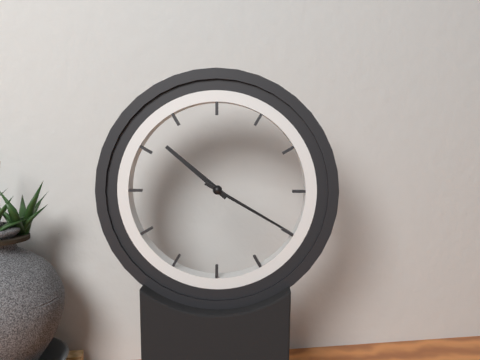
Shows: **10:20**
